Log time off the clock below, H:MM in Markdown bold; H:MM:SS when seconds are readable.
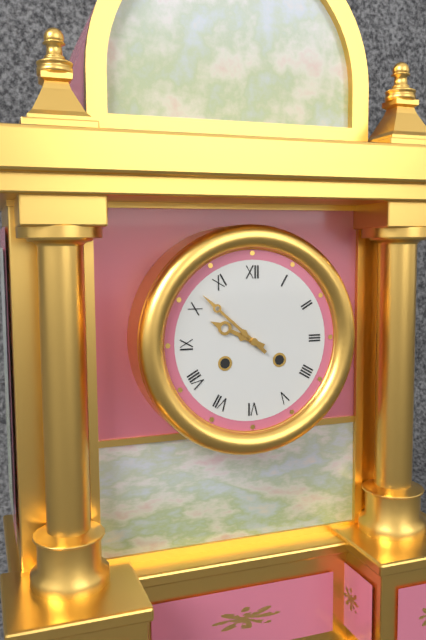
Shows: **9:52**
